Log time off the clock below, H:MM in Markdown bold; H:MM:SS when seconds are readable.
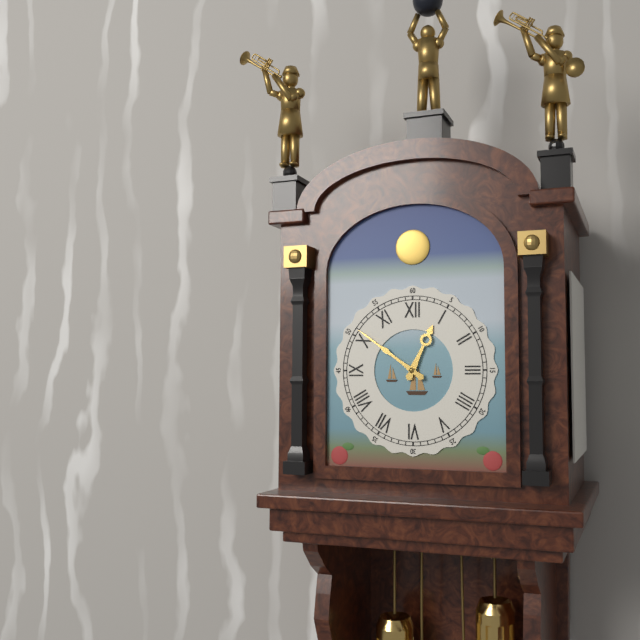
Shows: **12:51**
